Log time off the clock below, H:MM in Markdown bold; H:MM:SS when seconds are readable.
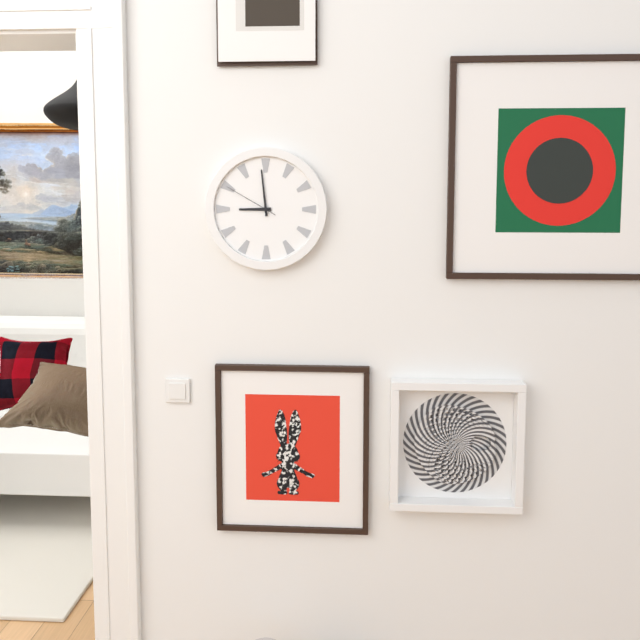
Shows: **8:59:50**
